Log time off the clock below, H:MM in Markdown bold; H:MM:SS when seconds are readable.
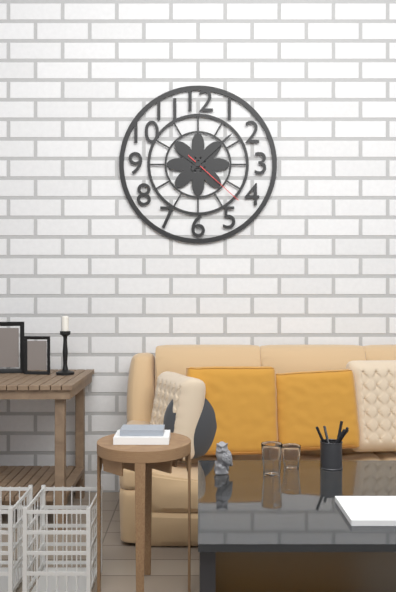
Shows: **10:08:22**
